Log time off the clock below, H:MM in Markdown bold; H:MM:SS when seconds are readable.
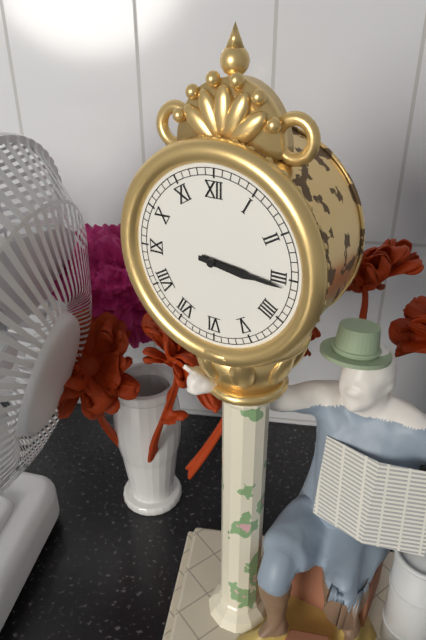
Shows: **3:16**
